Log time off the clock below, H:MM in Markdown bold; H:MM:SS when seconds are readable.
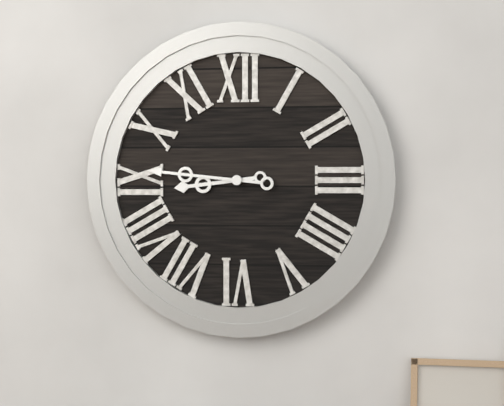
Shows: **8:46**
